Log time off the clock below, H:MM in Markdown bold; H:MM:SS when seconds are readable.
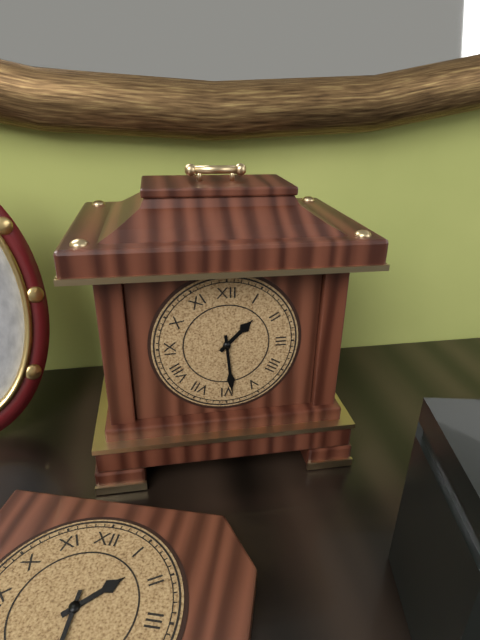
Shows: **1:29**
